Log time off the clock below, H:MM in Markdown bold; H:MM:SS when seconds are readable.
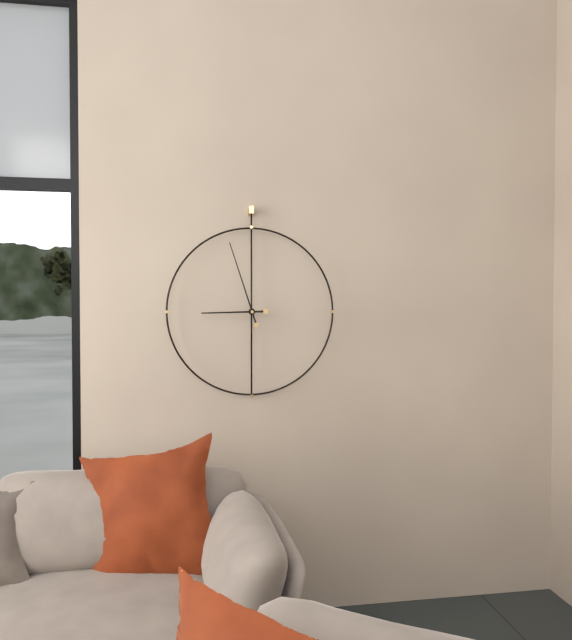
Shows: **8:57**
